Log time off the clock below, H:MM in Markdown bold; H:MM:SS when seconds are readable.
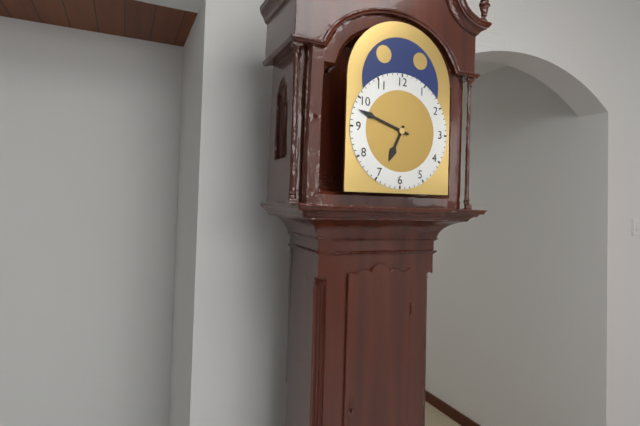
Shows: **6:48**
